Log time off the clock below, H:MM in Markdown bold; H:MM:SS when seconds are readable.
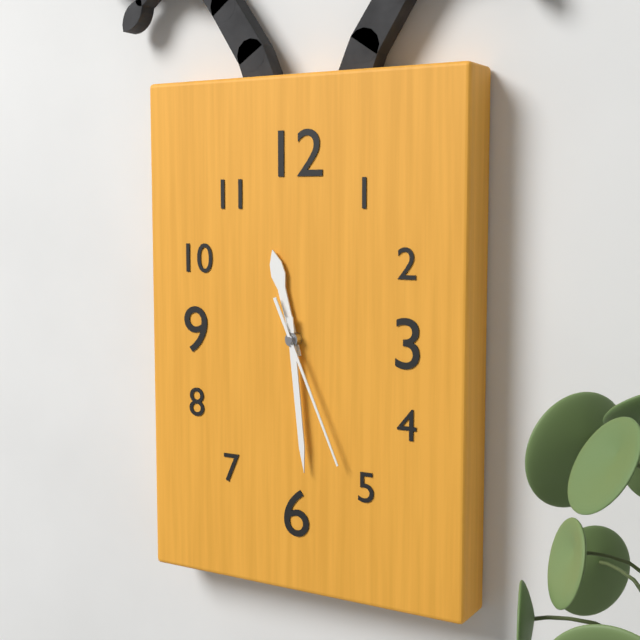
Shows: **11:29:26**
